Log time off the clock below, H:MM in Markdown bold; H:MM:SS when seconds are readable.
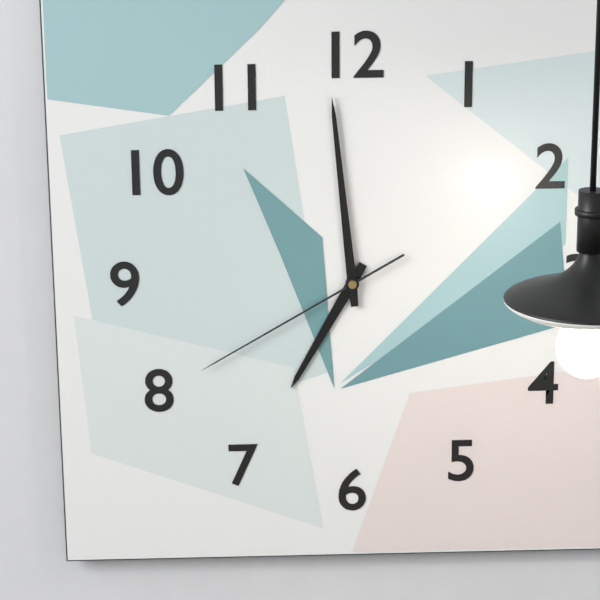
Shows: **6:59:40**
